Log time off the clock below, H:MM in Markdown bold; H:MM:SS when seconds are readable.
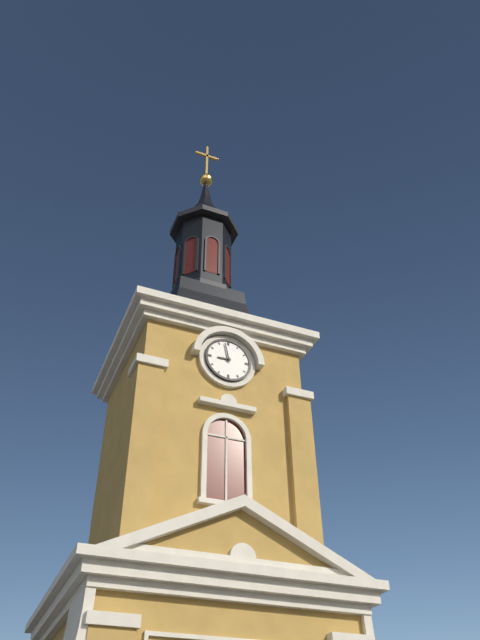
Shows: **8:58**
